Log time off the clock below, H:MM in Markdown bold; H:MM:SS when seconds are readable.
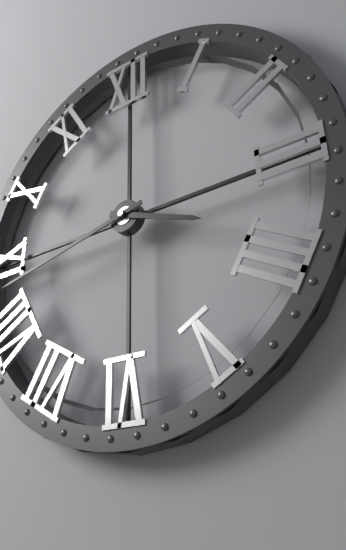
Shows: **3:43**
